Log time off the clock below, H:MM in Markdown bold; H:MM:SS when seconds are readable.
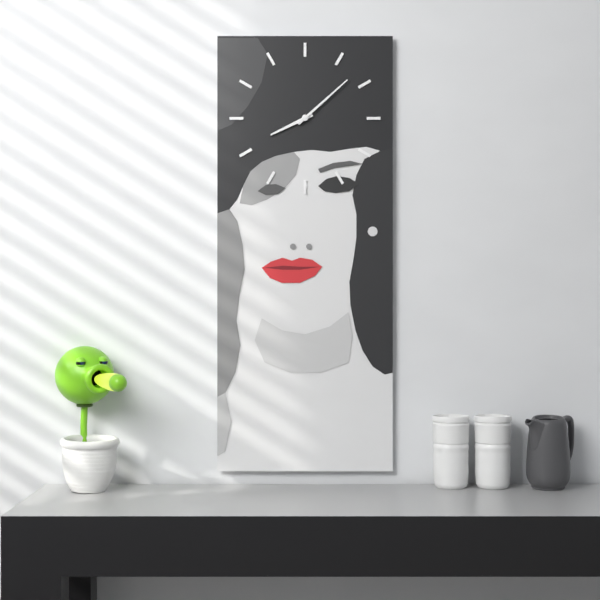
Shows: **8:08**
